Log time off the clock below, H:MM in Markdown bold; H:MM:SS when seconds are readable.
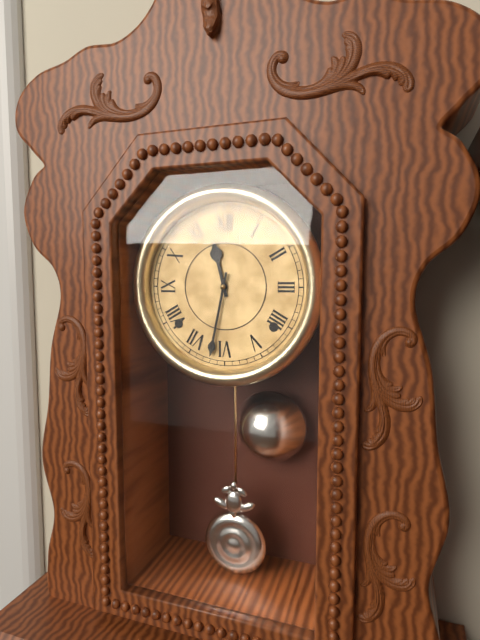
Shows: **11:32**
